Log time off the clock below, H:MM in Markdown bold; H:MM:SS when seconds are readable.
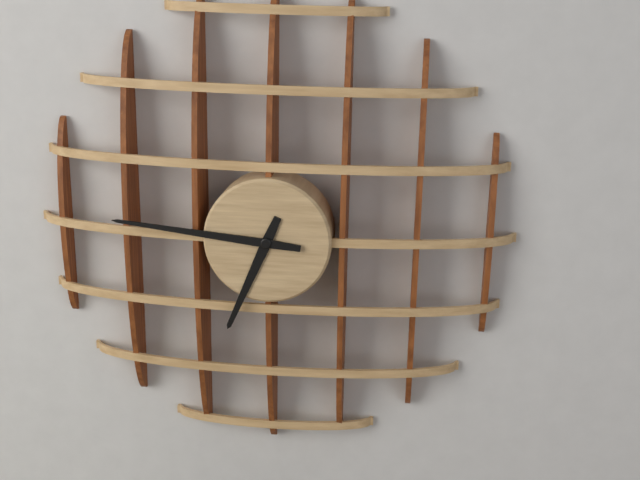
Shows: **6:46**
